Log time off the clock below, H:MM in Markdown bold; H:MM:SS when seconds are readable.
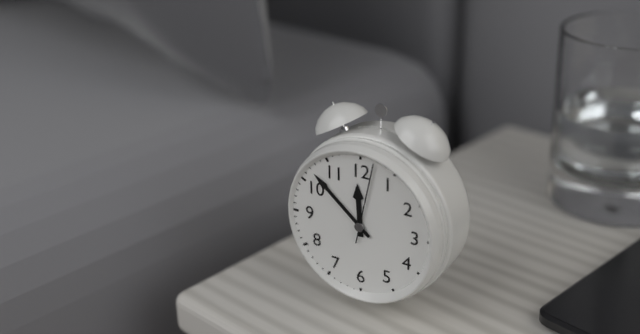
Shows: **11:52:02**
